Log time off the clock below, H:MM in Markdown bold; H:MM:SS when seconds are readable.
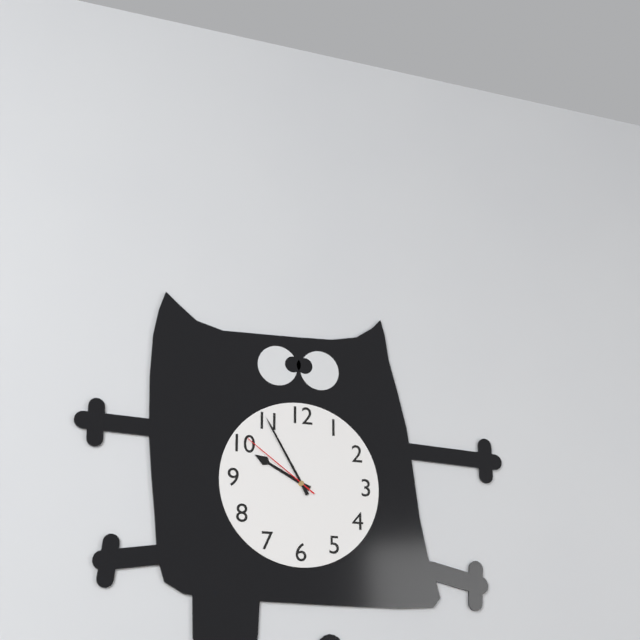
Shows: **9:55:51**
